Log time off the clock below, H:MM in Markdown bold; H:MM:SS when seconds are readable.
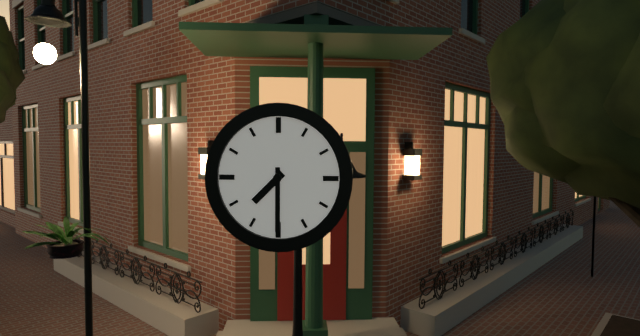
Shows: **7:30**
